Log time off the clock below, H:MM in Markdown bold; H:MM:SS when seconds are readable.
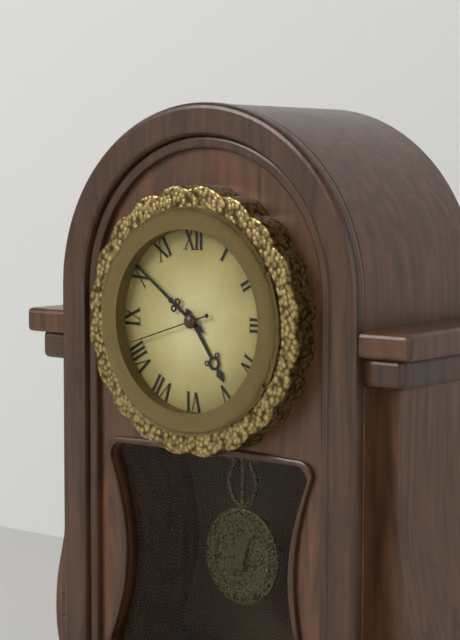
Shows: **4:51:42**
